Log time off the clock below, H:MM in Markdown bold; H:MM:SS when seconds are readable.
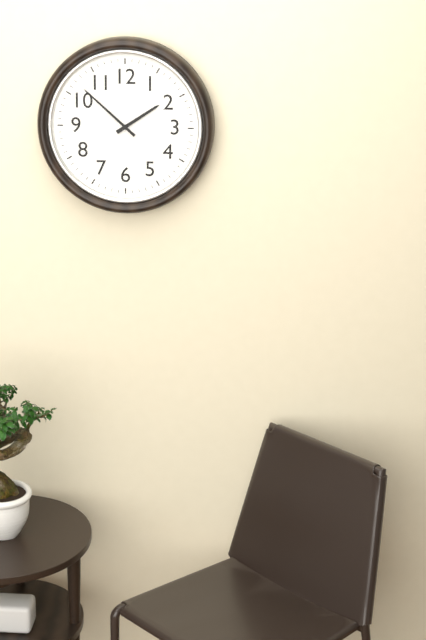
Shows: **1:52**
